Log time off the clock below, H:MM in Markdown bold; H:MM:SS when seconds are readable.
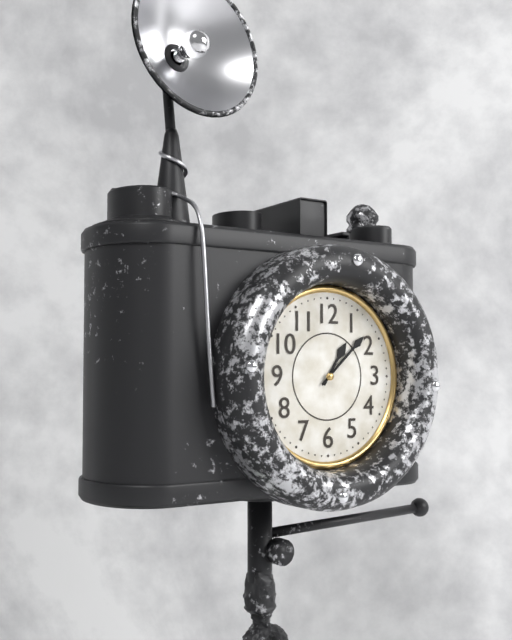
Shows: **1:08**
